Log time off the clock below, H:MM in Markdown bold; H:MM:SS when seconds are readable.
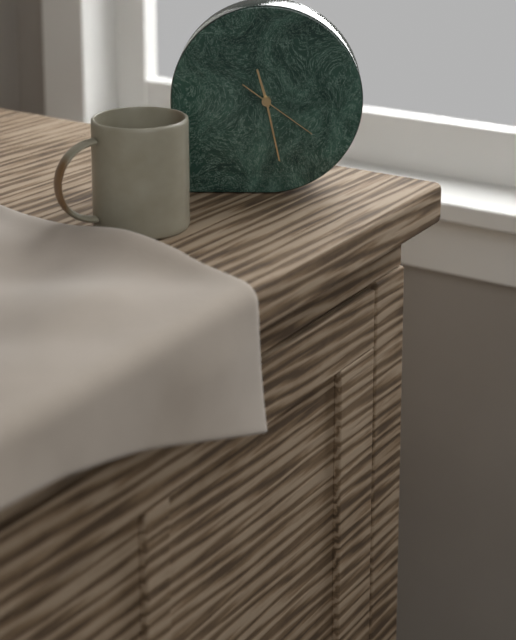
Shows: **11:28:21**
